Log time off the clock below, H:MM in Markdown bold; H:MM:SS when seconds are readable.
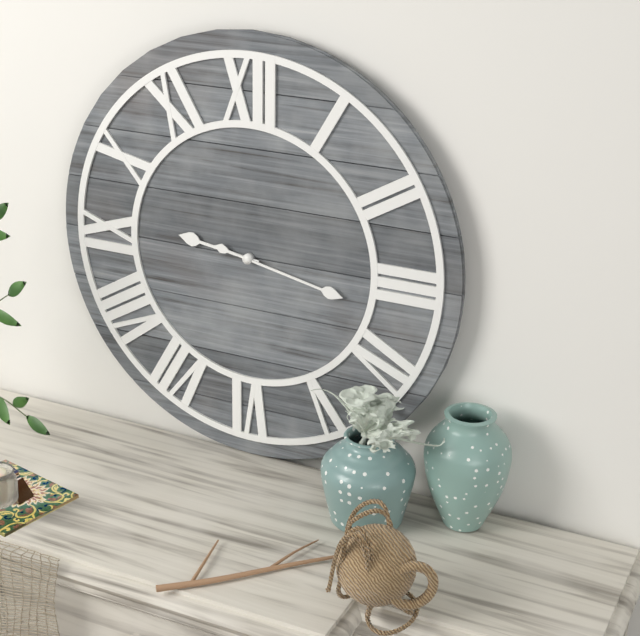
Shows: **9:17**
